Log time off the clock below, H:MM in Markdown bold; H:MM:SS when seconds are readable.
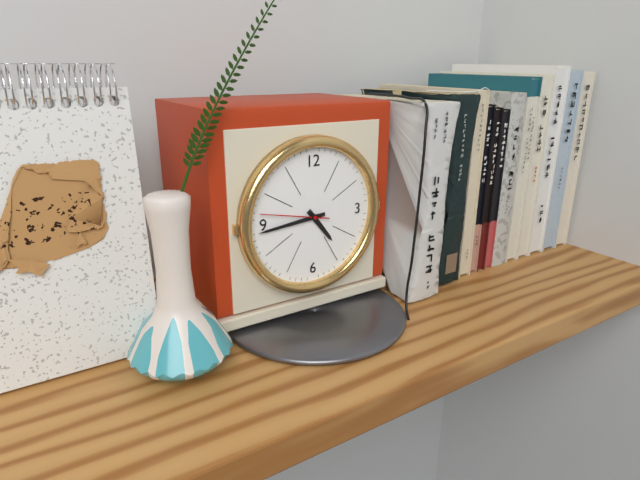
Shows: **4:44:47**
